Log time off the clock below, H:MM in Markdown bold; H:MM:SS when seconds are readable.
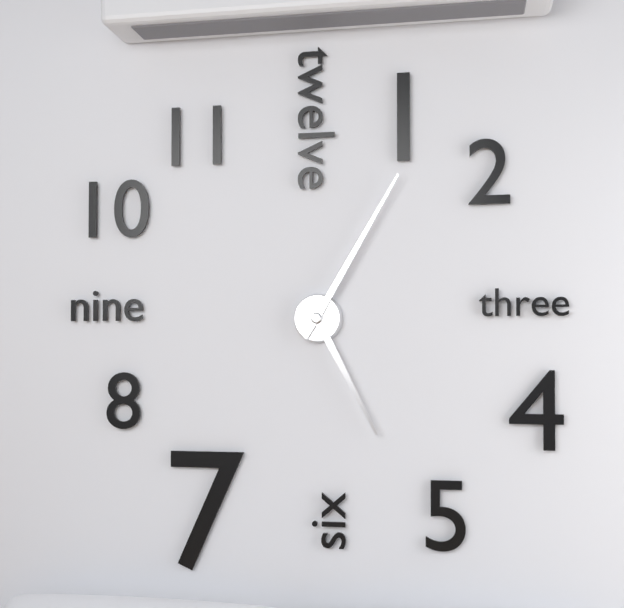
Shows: **5:05**
